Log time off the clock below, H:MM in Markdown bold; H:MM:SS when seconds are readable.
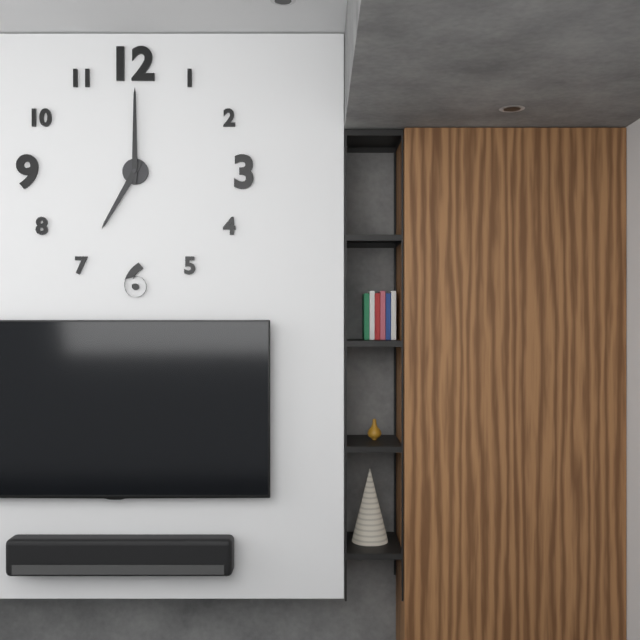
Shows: **7:00**
